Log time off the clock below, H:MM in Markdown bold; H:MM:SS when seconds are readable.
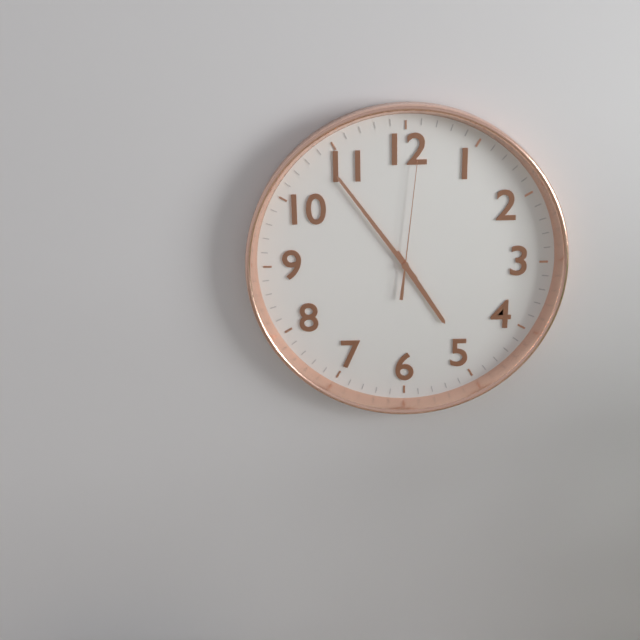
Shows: **4:54:01**
